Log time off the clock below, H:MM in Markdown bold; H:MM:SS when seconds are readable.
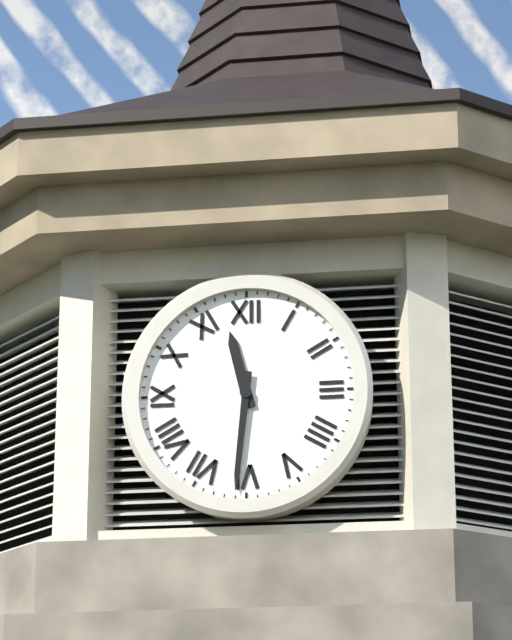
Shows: **11:31**
